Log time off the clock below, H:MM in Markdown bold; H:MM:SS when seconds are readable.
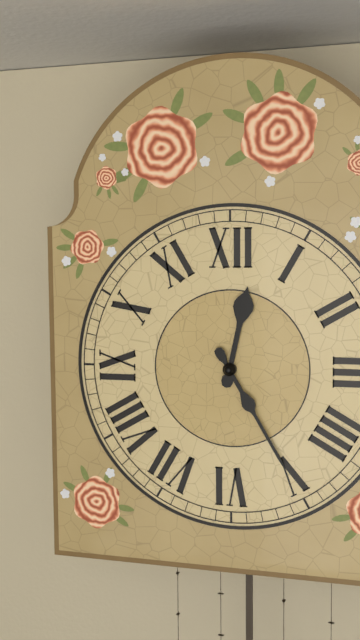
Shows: **12:25**
